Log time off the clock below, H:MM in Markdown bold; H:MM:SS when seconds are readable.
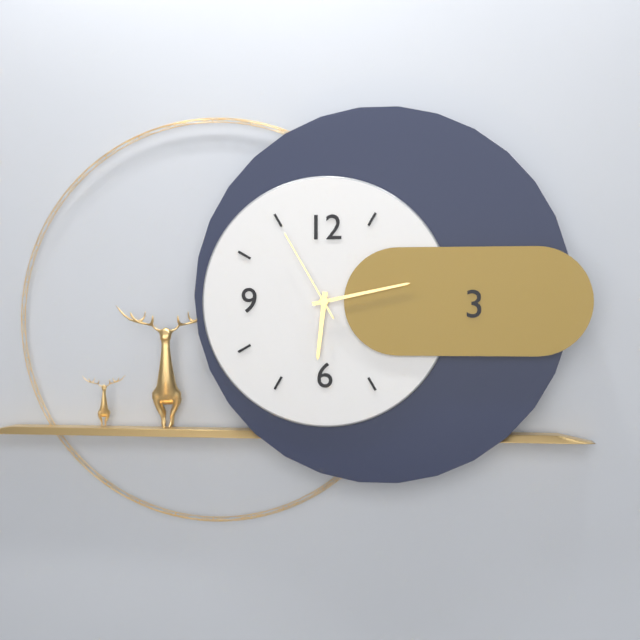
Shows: **6:13:55**
